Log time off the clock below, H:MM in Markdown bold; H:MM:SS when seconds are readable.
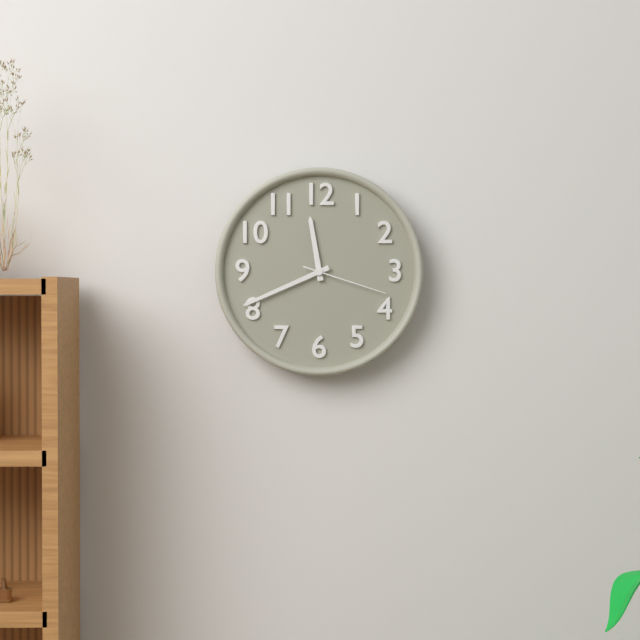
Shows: **11:41:18**
